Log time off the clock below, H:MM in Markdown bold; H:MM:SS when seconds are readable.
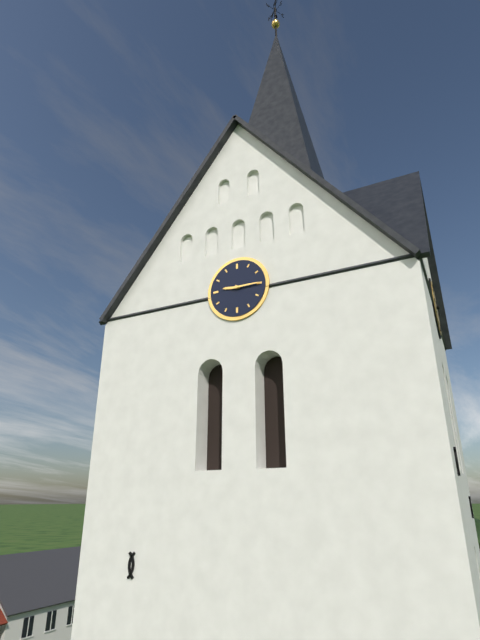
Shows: **9:15**
